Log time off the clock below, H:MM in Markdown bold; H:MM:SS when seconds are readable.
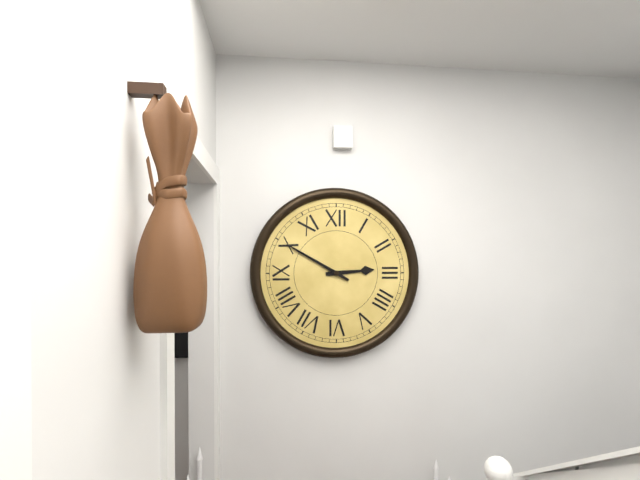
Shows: **2:50**
